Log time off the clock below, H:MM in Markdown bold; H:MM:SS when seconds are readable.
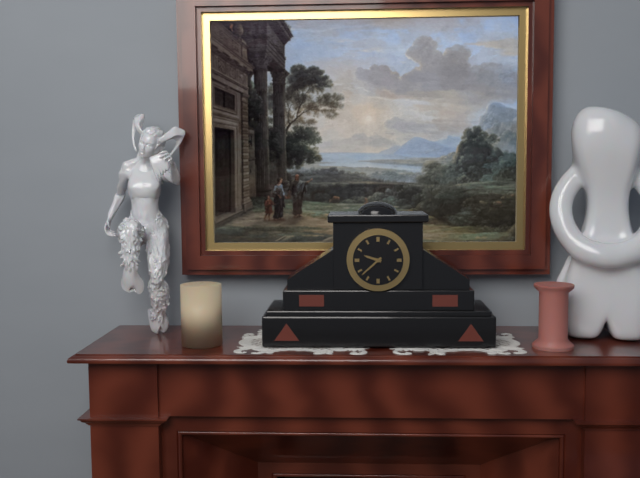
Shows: **9:38**
